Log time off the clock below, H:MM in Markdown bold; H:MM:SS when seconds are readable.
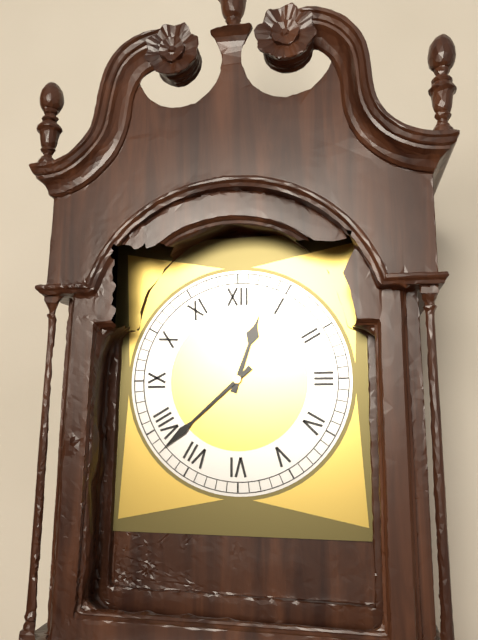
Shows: **12:38**
